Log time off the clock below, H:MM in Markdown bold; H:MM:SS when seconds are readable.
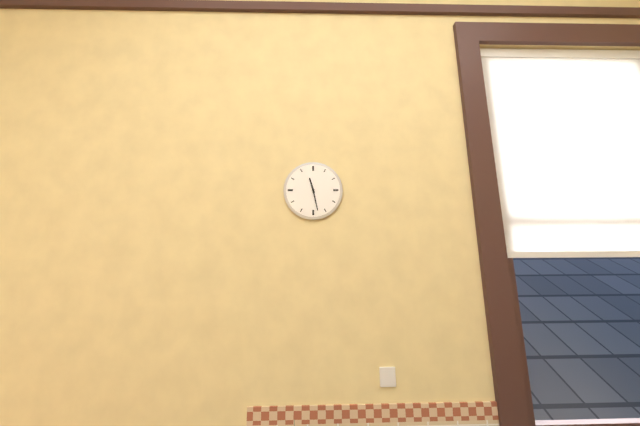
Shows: **11:28**
